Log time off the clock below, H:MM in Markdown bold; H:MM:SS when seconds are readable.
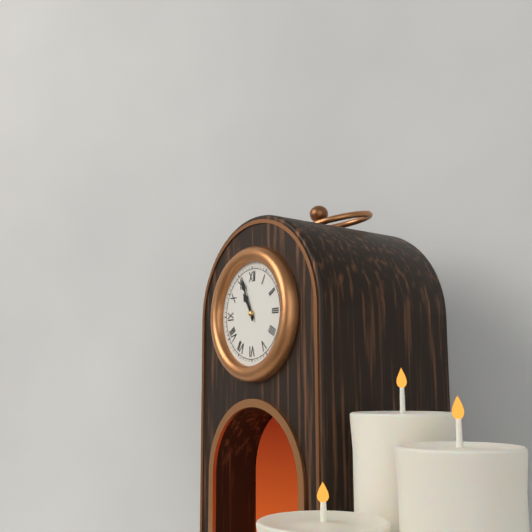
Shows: **10:56**
